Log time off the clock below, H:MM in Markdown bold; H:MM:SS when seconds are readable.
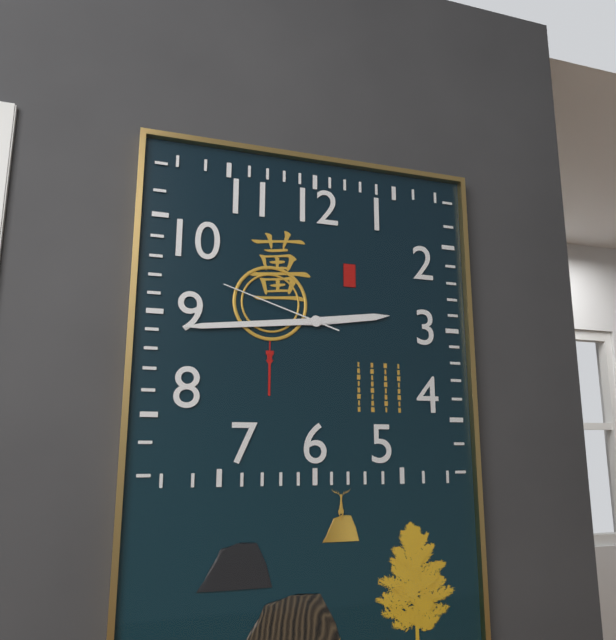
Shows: **2:44:48**
